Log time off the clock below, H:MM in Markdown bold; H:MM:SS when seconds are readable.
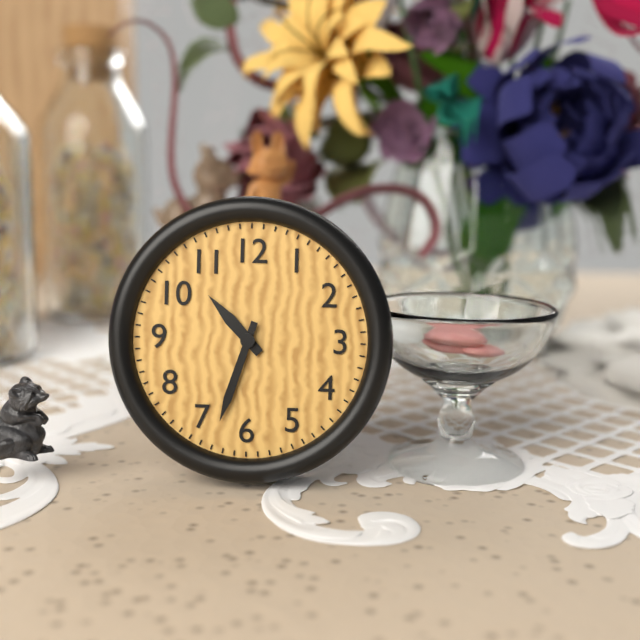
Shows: **10:33**
